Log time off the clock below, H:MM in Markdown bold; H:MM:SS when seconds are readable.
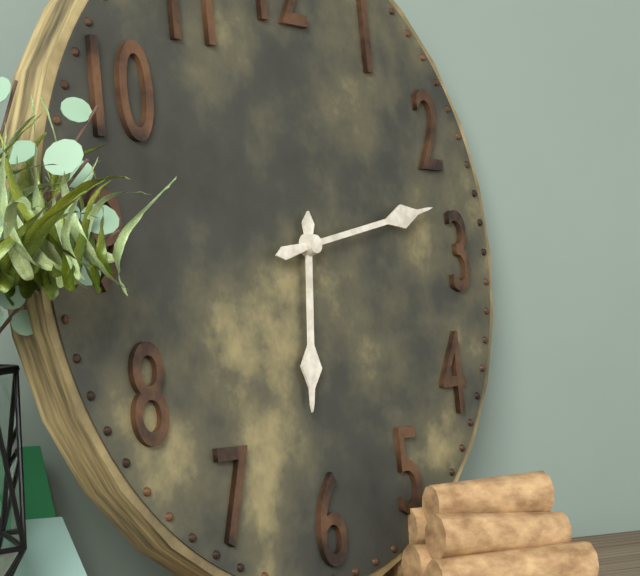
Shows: **6:13**
